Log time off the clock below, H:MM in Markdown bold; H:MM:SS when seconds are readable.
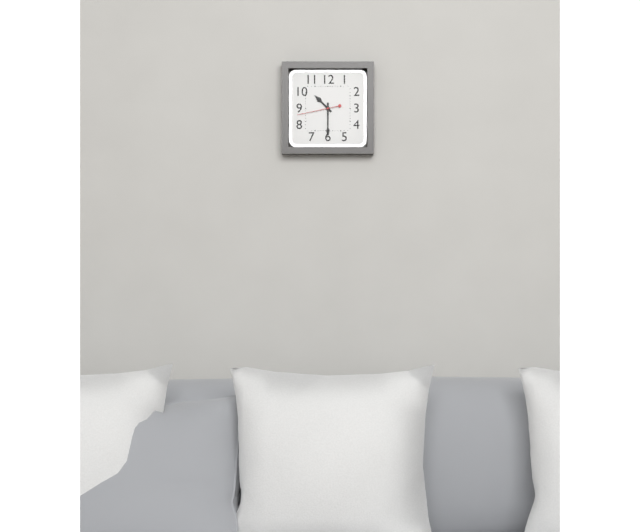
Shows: **10:30**
